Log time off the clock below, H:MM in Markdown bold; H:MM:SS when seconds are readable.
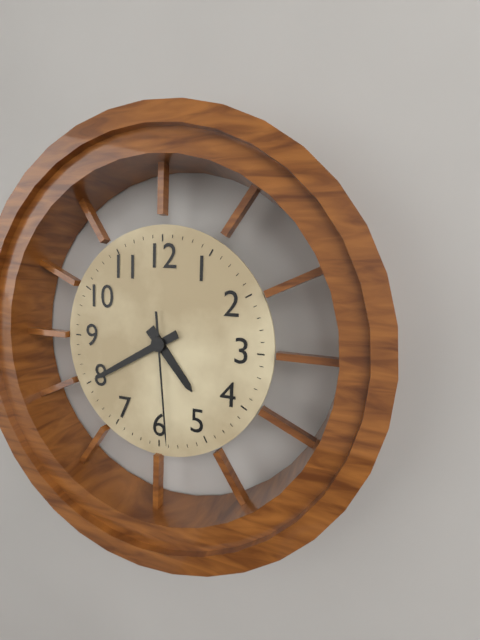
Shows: **4:40:29**
